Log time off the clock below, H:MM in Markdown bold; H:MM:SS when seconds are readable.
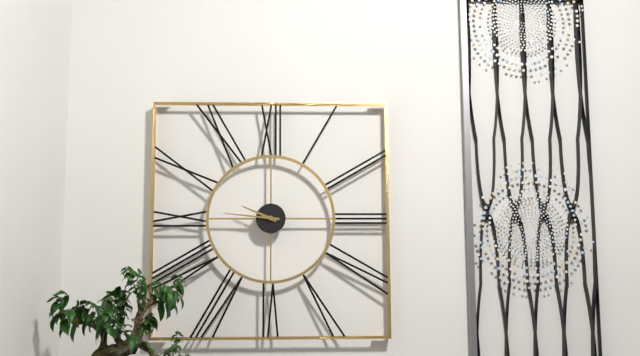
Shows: **9:46**
